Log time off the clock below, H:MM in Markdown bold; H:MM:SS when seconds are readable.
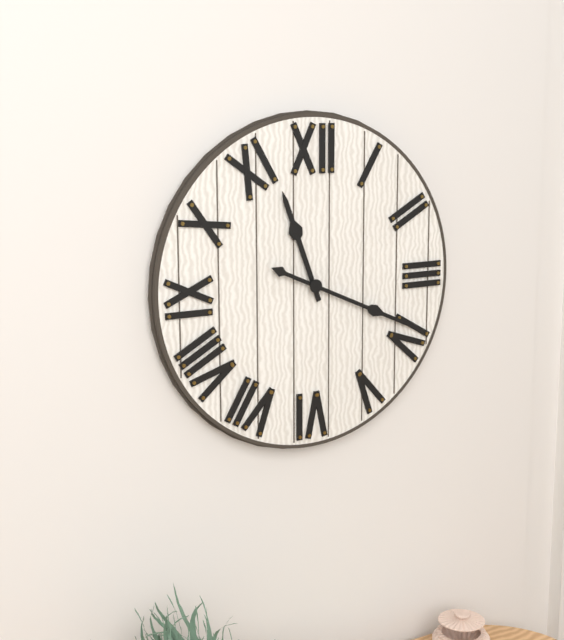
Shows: **11:19**
